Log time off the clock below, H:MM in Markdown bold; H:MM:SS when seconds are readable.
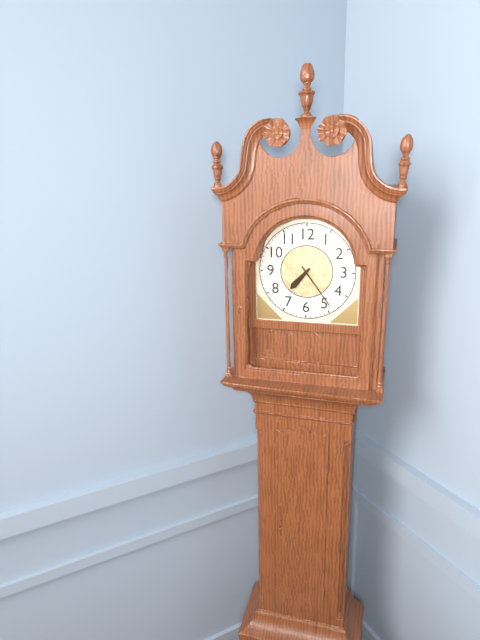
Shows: **7:24**
